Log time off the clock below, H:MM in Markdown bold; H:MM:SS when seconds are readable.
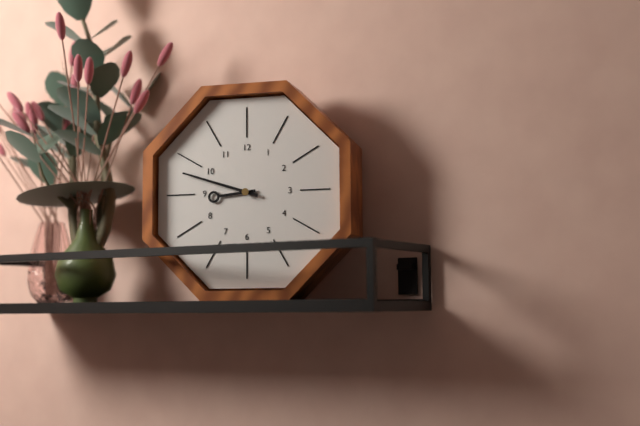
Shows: **8:48**
